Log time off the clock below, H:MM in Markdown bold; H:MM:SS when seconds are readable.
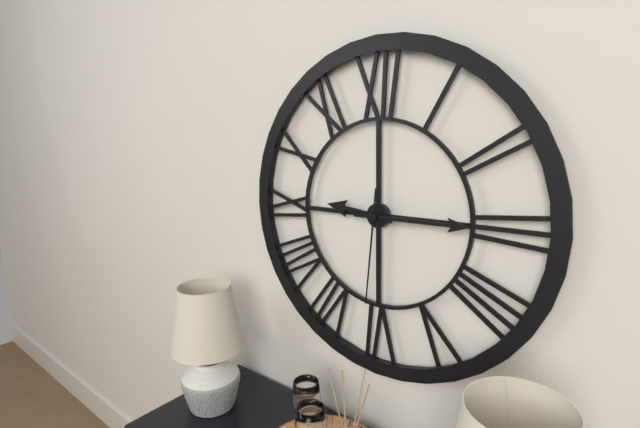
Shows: **9:15:31**
